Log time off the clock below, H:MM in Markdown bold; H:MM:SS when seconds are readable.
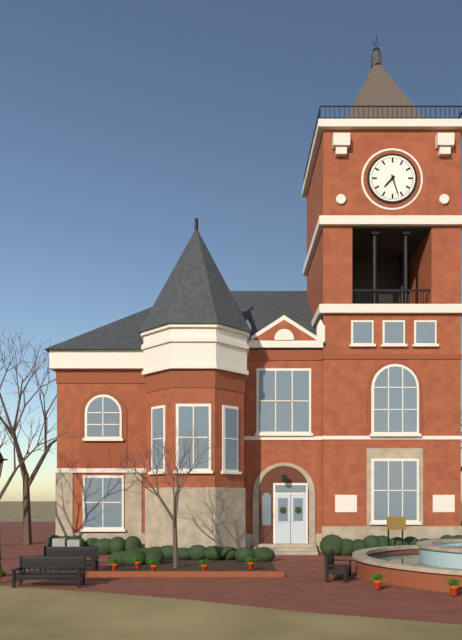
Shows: **7:27**
